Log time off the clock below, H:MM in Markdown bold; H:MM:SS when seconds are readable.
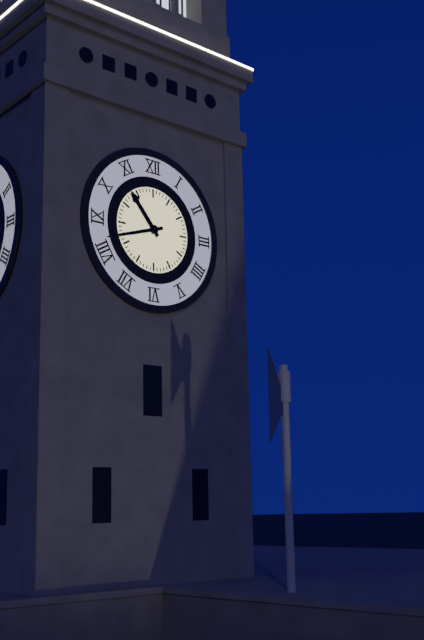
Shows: **10:42**
